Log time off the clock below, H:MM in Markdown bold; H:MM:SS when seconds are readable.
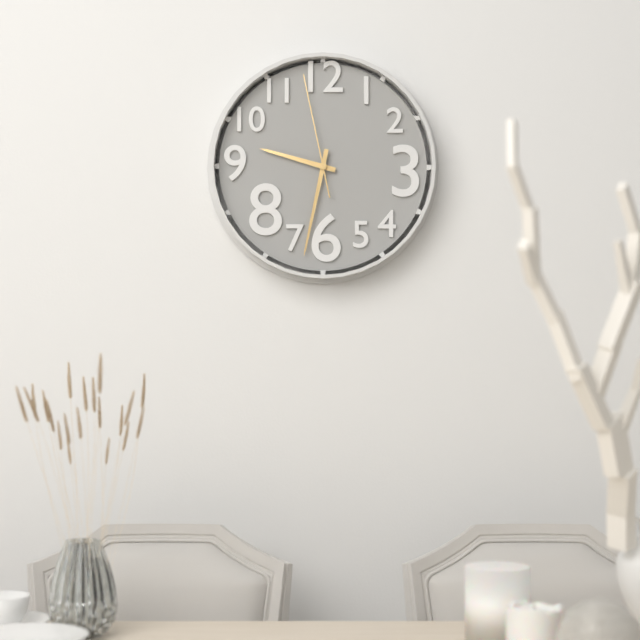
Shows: **9:32:58**
